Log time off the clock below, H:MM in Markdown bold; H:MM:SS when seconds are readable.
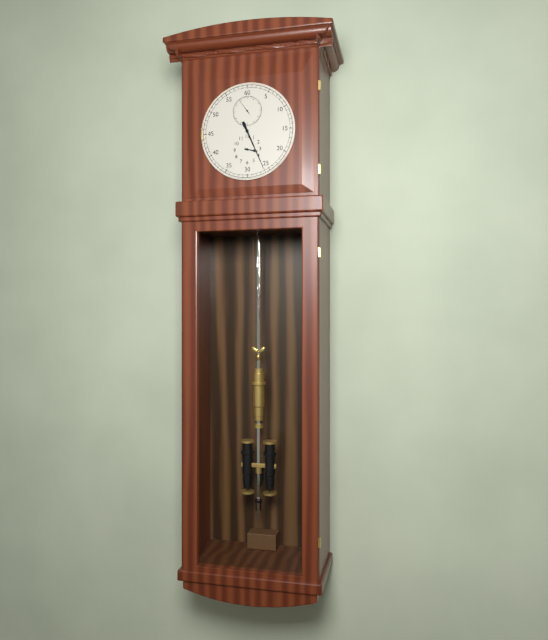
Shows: **3:26**
